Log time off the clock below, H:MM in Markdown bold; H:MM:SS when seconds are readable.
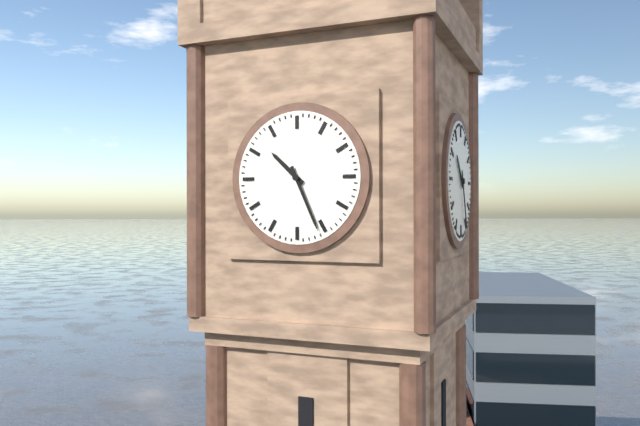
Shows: **10:26**
